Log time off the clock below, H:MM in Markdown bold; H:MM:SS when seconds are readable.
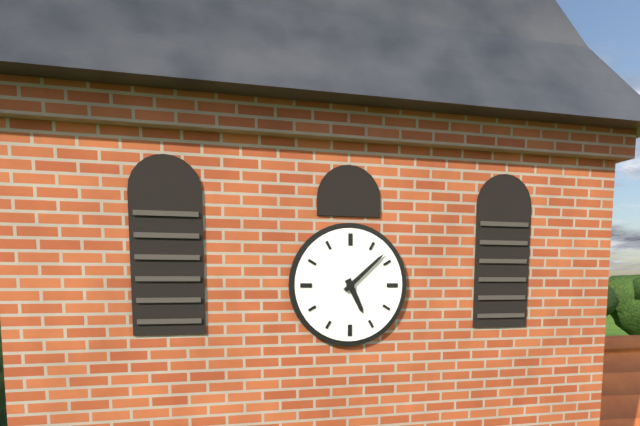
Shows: **5:08**
